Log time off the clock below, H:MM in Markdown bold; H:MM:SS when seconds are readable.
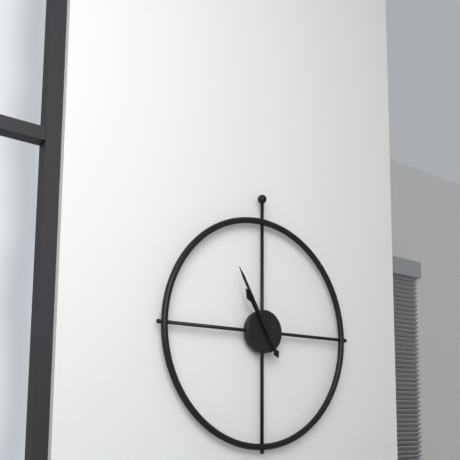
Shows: **10:55**
